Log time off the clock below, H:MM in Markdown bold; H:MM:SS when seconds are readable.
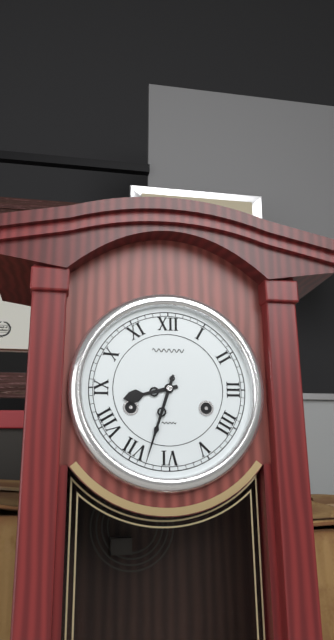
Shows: **8:33**
